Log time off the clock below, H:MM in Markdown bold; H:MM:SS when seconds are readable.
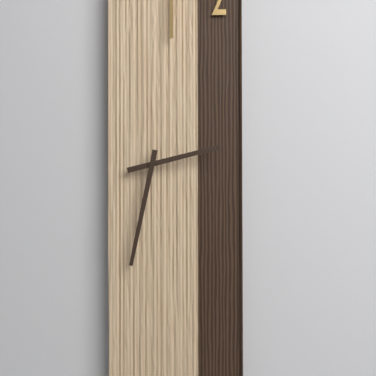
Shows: **2:32**
